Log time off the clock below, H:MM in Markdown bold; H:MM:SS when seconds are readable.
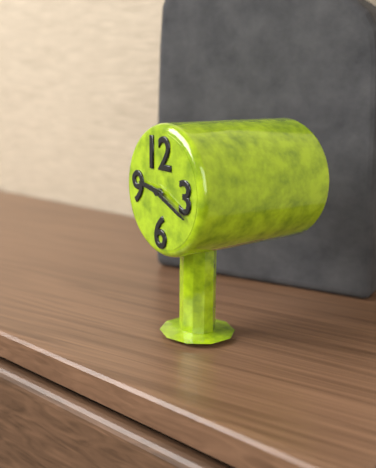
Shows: **9:19**
